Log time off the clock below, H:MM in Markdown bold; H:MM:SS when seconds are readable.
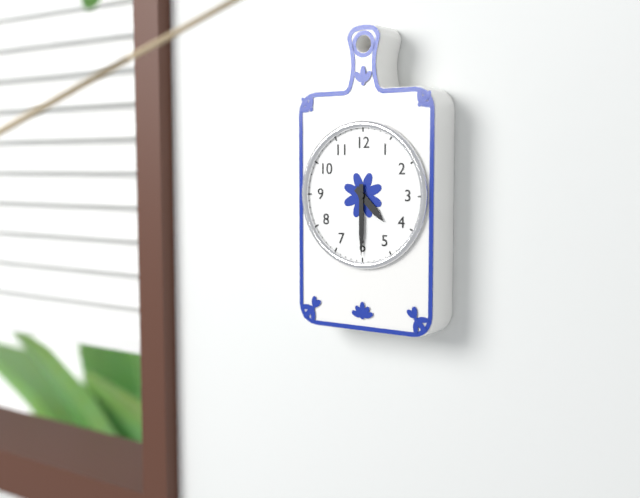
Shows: **4:30**
